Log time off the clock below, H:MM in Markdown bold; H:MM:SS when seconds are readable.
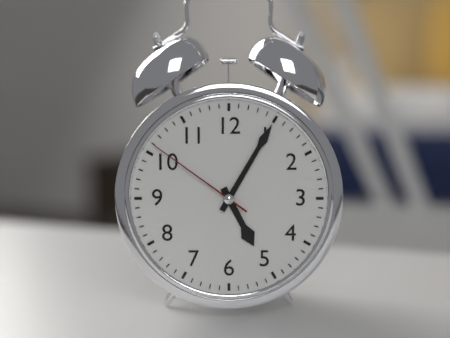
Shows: **5:05:51**
